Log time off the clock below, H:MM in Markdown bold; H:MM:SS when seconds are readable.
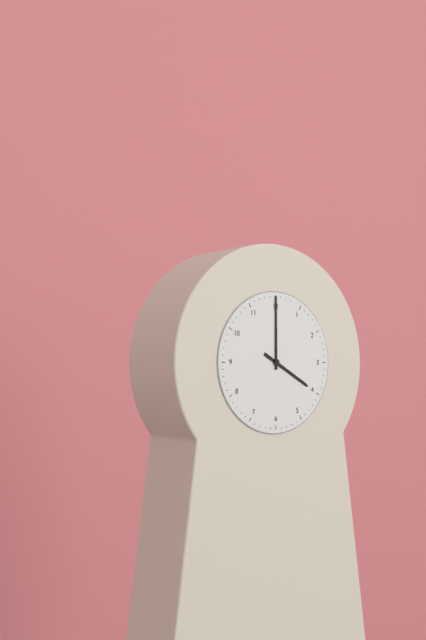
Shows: **4:00**
